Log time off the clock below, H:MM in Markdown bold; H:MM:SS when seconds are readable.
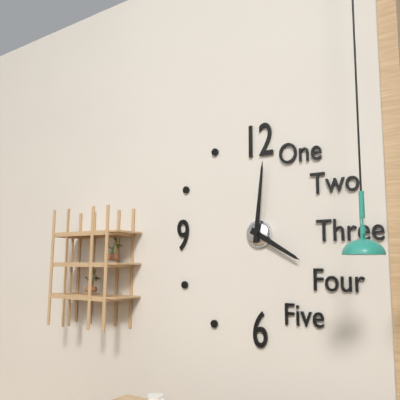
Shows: **4:01**
